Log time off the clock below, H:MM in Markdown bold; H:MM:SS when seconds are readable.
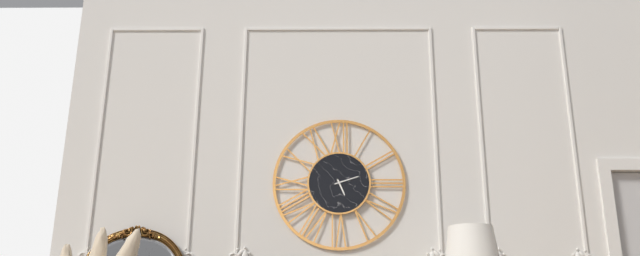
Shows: **5:12**
